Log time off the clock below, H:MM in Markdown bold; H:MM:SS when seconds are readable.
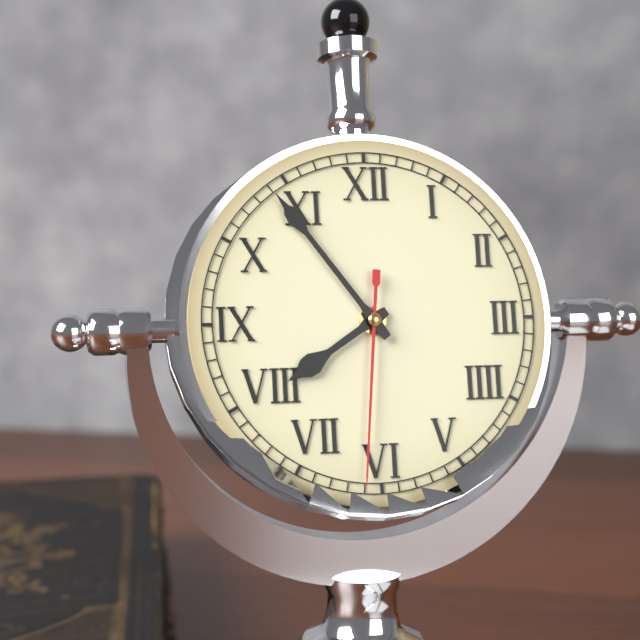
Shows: **7:54:31**
